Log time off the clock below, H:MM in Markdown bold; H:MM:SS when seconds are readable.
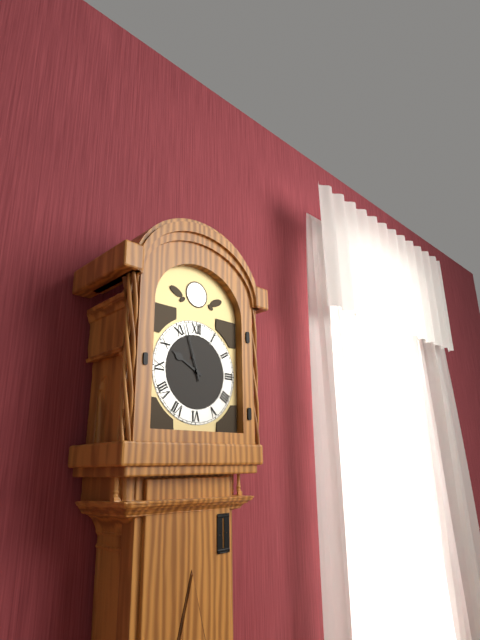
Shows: **9:57**
